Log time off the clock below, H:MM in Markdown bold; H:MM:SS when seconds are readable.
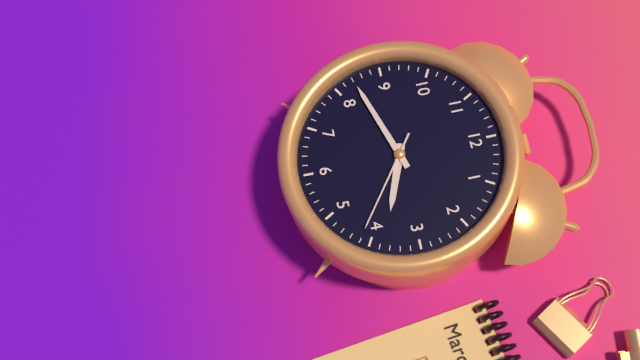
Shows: **3:42:21**
